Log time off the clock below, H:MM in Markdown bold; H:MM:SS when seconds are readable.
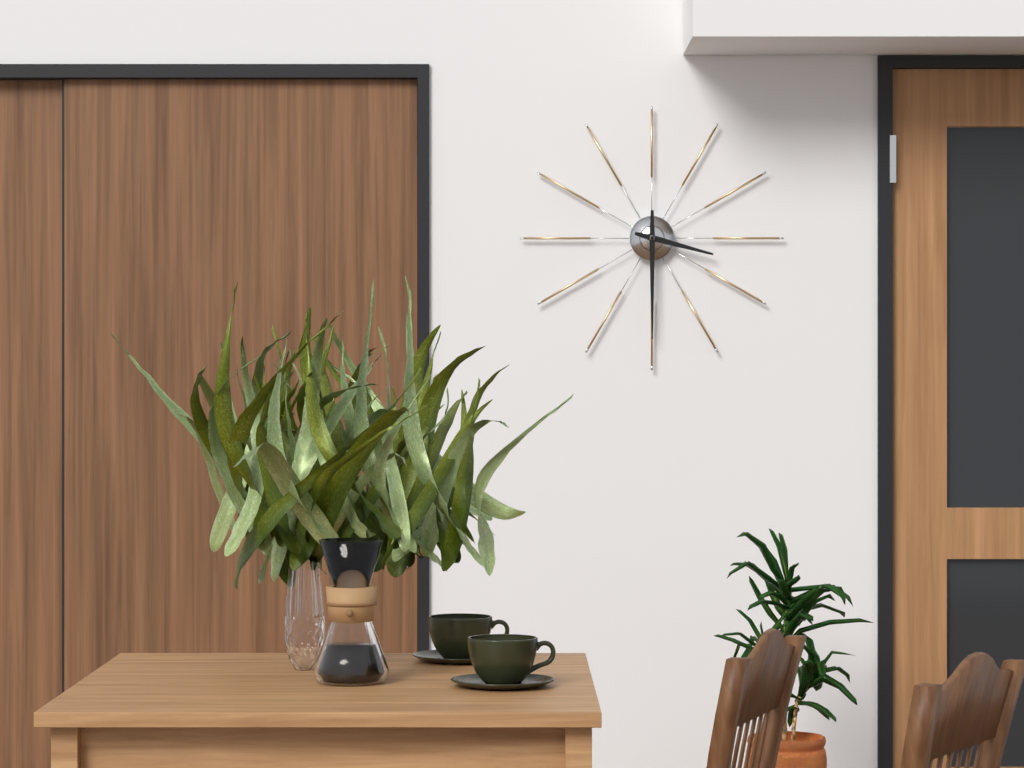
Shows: **3:30**
